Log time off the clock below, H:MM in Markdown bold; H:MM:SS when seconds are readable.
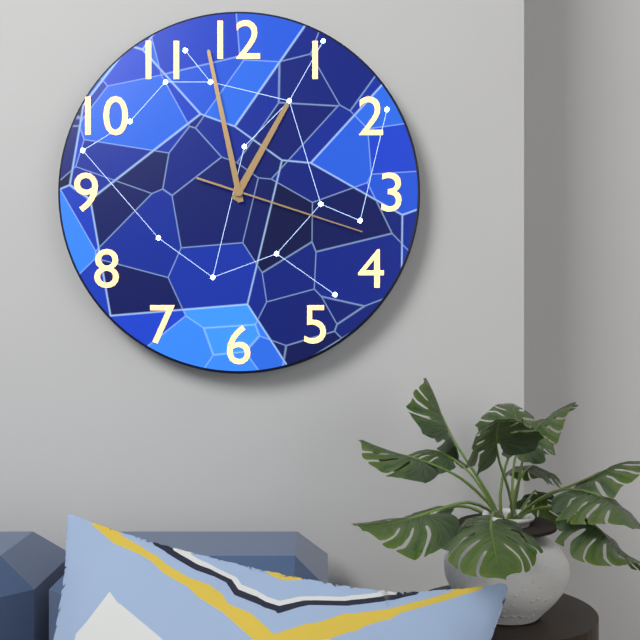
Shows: **12:58:18**
